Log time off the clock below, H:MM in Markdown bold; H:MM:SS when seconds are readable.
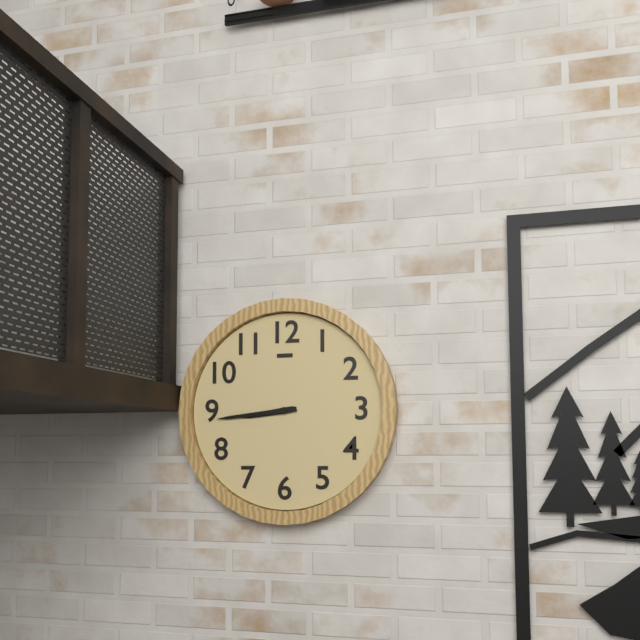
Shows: **8:44**
